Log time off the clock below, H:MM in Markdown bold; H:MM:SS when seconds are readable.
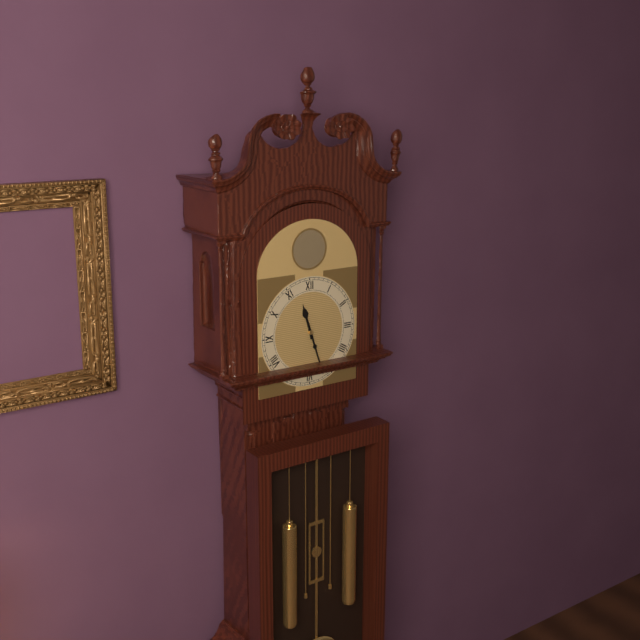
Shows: **11:27**
